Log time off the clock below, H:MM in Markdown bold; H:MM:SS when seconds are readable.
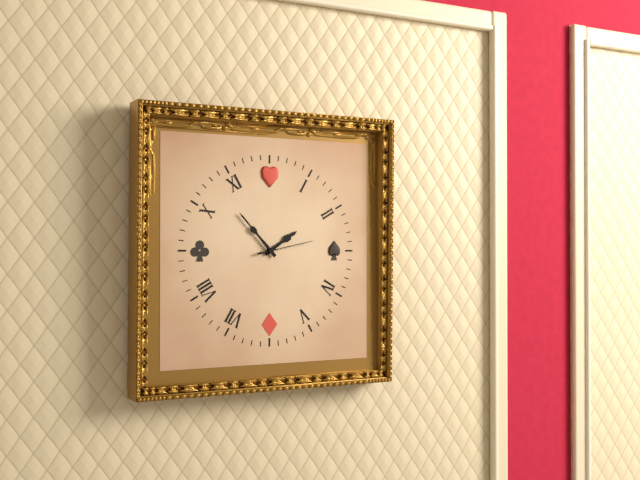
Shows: **1:53:13**
